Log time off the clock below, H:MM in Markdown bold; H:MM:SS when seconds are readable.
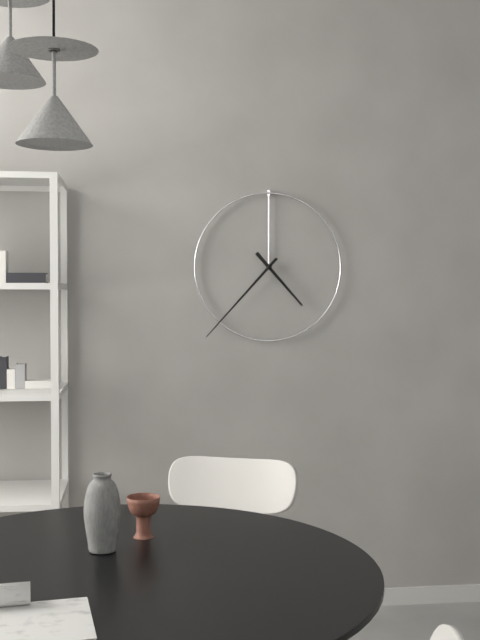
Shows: **4:37**
